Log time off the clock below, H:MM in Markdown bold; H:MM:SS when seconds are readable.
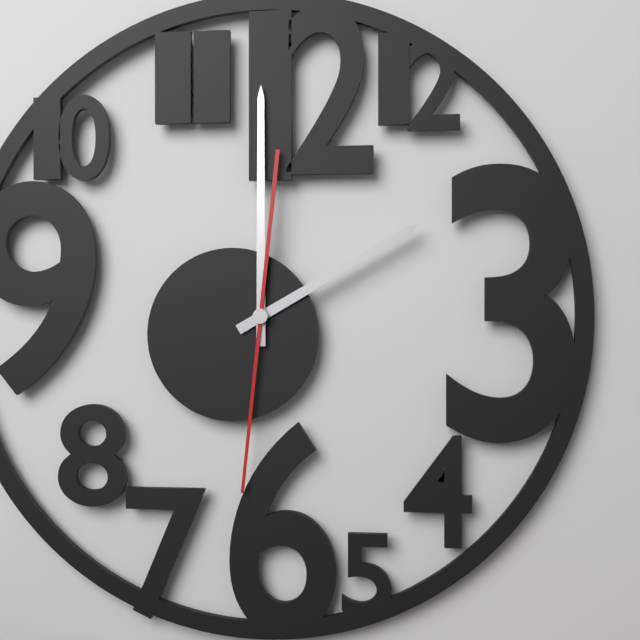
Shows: **2:00:31**
